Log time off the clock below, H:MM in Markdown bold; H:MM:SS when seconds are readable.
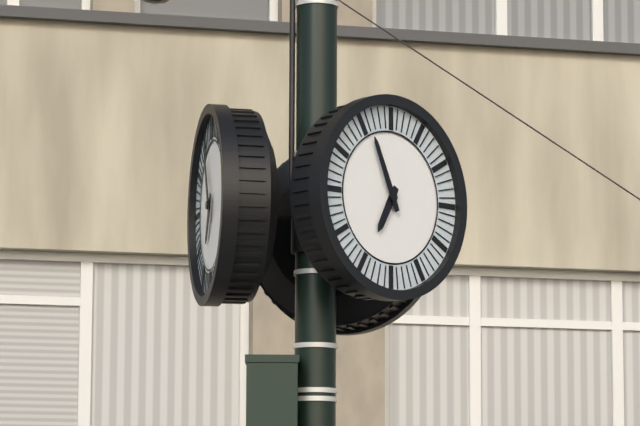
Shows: **6:56**
